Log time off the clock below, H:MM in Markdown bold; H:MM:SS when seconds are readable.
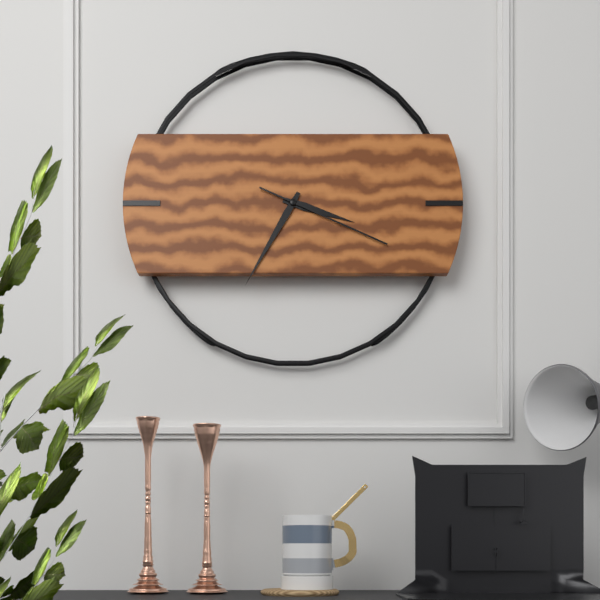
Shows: **3:35:19**
